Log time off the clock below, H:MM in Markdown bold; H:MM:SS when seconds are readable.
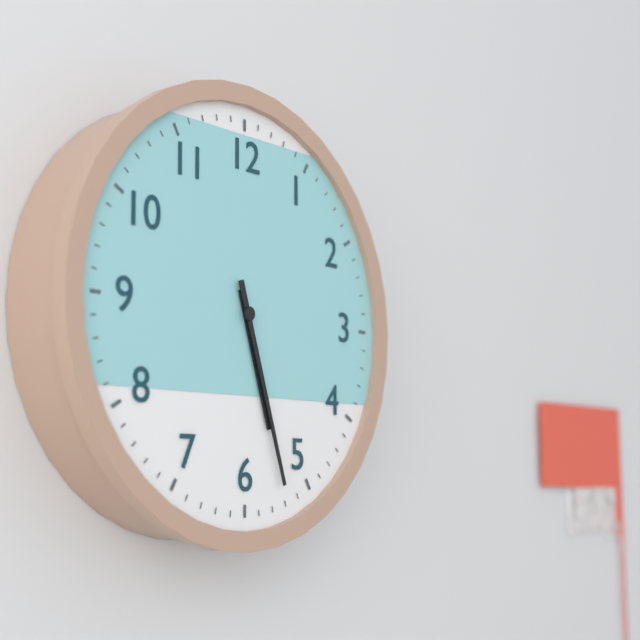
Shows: **5:27**
